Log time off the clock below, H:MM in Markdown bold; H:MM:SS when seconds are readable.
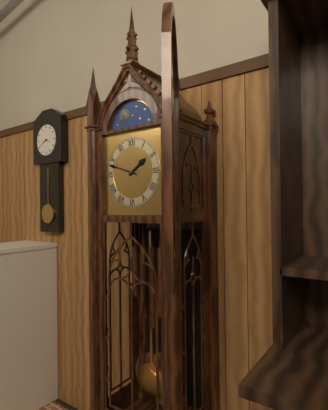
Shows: **1:48**
